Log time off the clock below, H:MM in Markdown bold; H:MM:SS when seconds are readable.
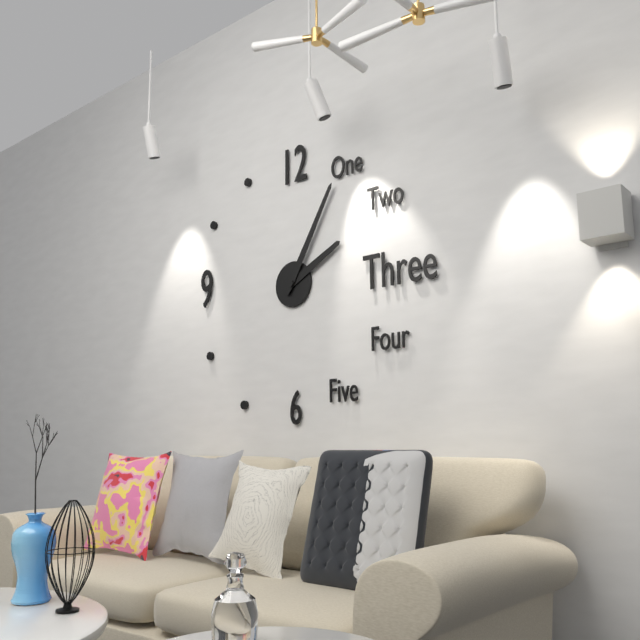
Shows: **2:05**
